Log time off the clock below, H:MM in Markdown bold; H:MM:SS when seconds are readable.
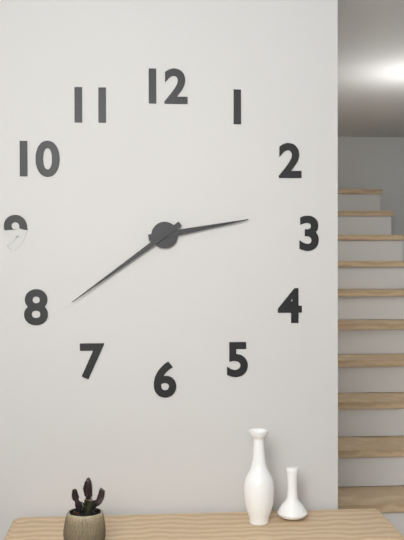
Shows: **2:39**
